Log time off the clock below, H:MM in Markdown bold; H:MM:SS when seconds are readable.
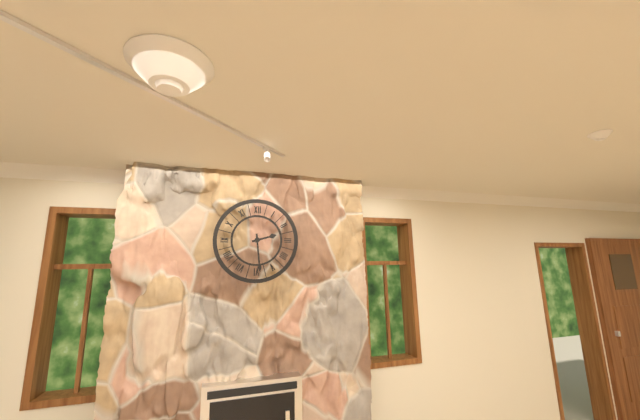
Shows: **2:29**
